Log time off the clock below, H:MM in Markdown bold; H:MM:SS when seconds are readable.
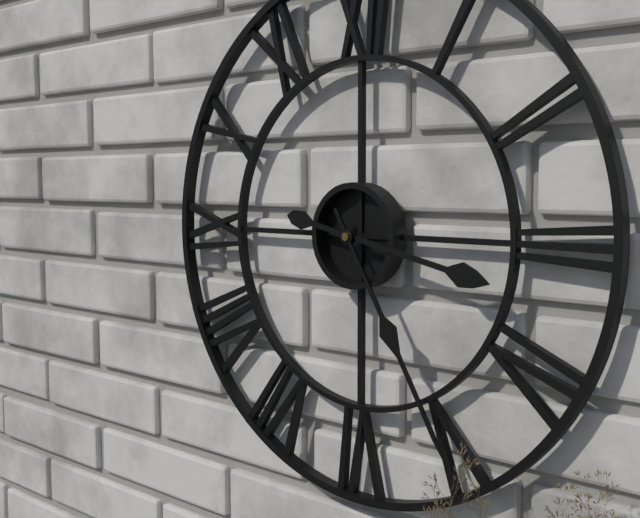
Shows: **3:25**
